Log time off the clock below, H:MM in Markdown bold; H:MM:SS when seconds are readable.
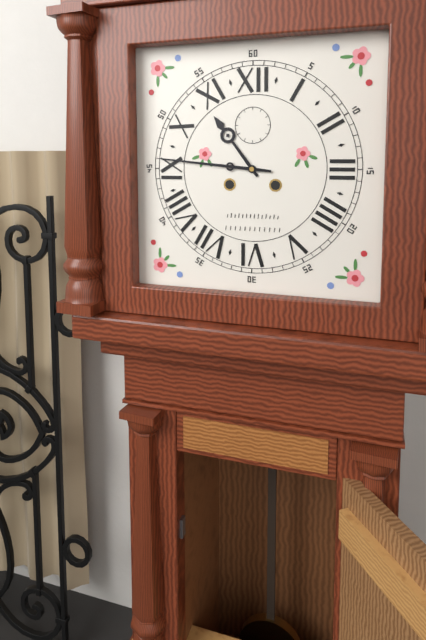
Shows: **10:46**
